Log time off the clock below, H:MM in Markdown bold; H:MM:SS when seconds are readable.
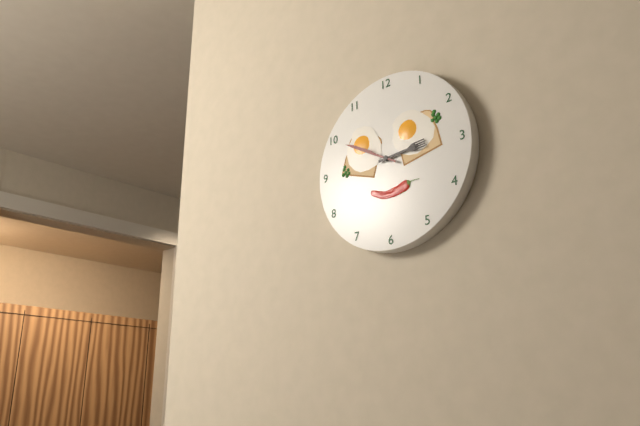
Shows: **2:50**
